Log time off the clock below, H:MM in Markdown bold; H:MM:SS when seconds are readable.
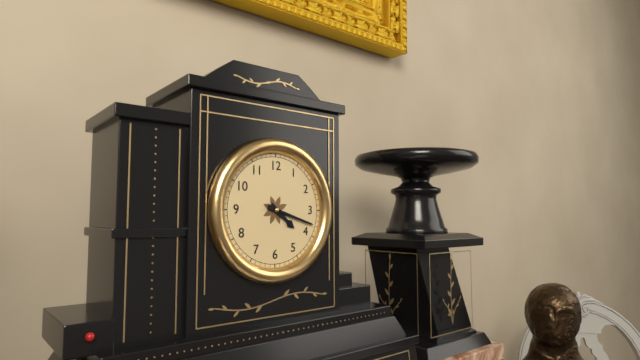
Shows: **4:18**
